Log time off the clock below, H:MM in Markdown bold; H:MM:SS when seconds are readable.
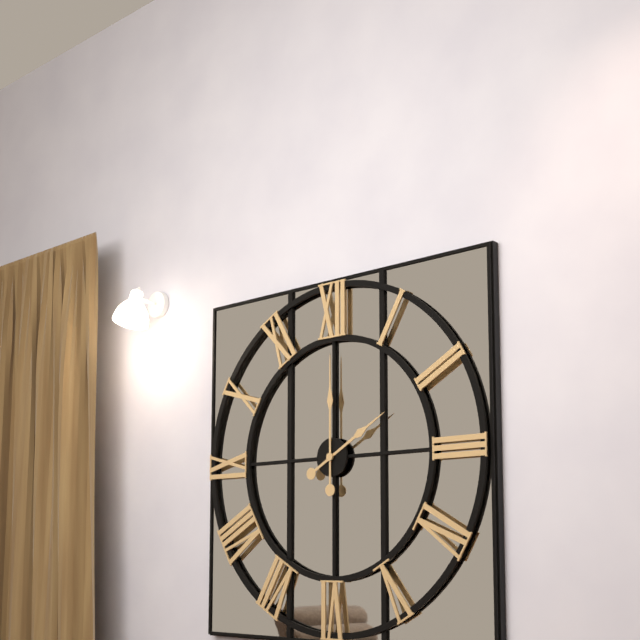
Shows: **2:00**
